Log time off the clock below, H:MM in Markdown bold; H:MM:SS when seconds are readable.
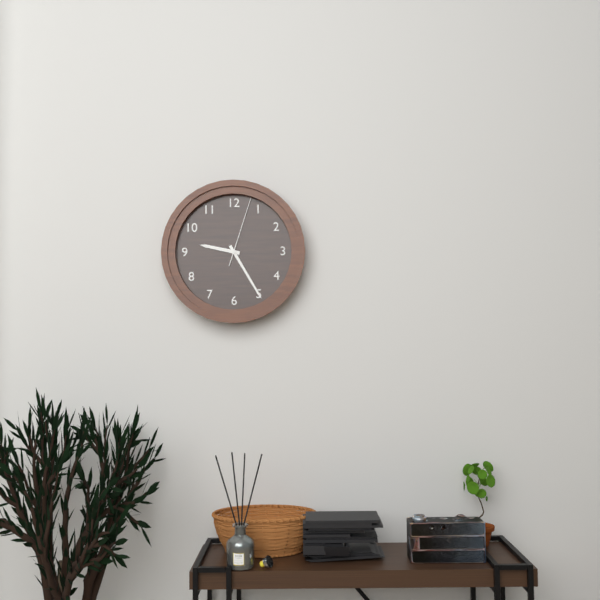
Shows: **9:25:03**
